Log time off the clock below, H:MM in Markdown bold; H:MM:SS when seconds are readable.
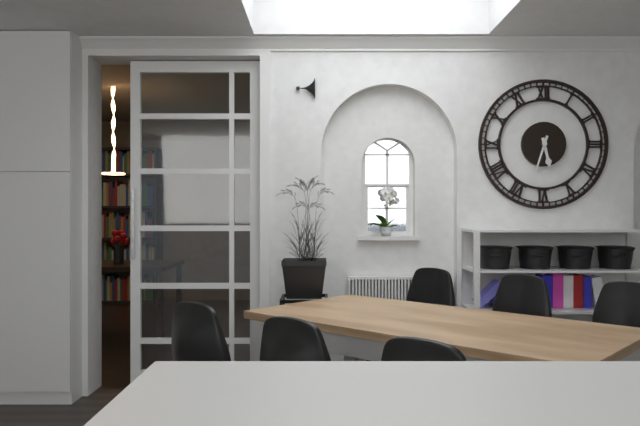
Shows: **5:33**
